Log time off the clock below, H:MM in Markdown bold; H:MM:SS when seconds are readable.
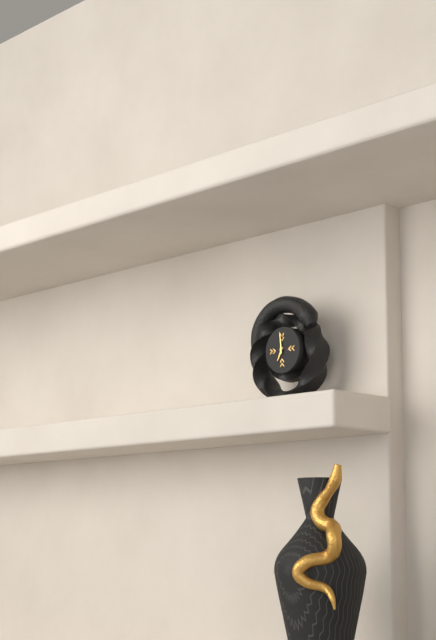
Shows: **6:59**
